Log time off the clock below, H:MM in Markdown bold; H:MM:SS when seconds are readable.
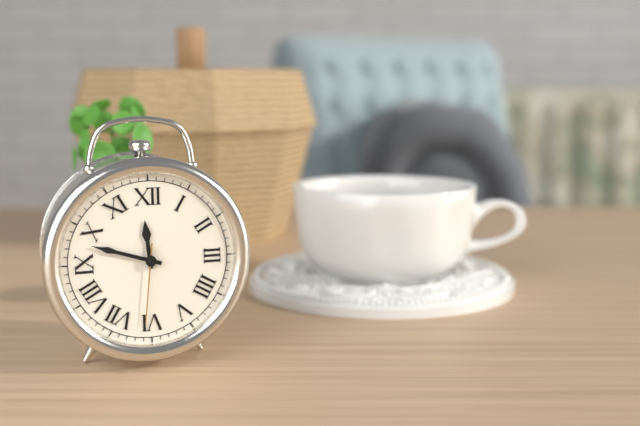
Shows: **11:48:31**
